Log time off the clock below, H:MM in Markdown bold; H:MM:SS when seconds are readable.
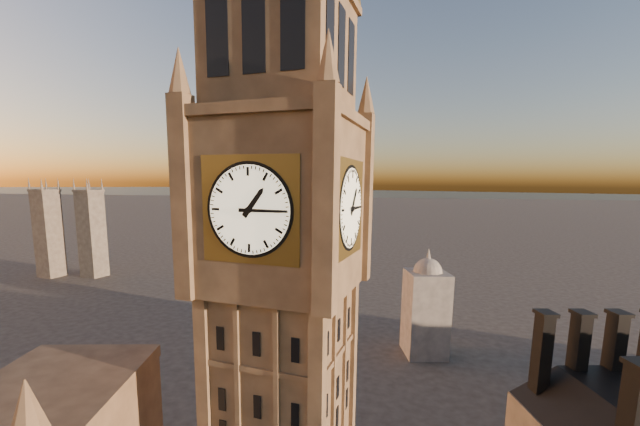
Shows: **1:15**
